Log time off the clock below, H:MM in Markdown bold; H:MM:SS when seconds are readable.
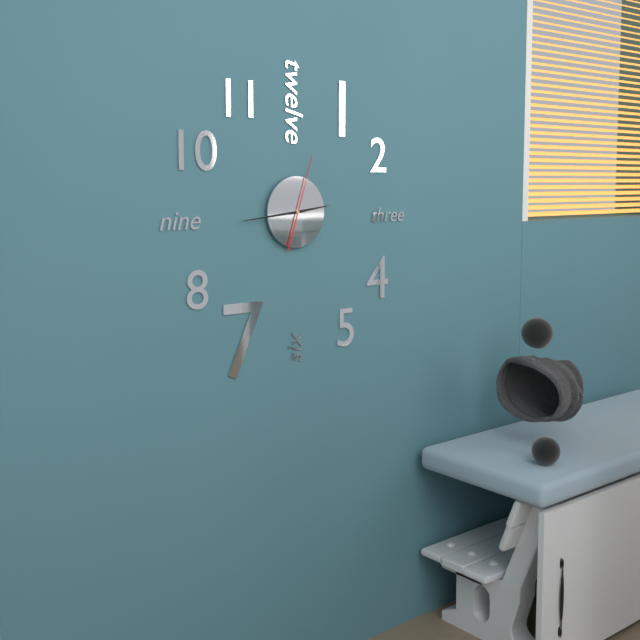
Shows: **2:44:03**
